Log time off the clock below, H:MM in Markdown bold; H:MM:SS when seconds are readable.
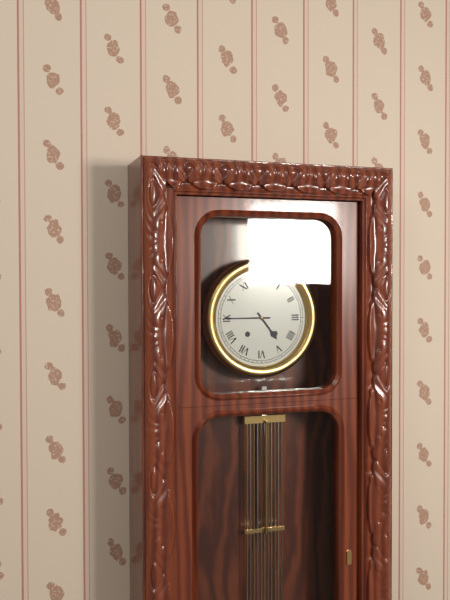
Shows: **4:45**
